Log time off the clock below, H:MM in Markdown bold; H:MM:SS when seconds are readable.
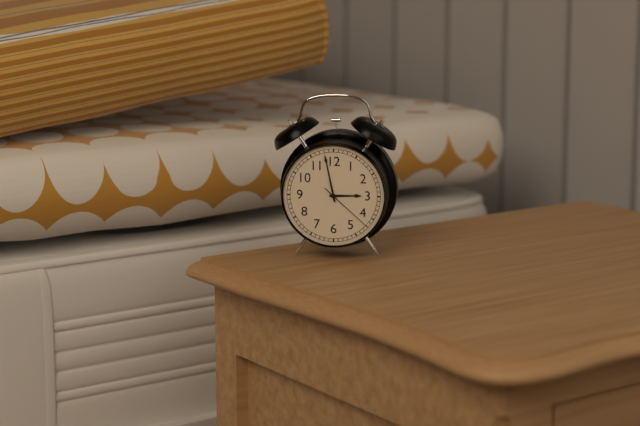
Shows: **2:58:22**
